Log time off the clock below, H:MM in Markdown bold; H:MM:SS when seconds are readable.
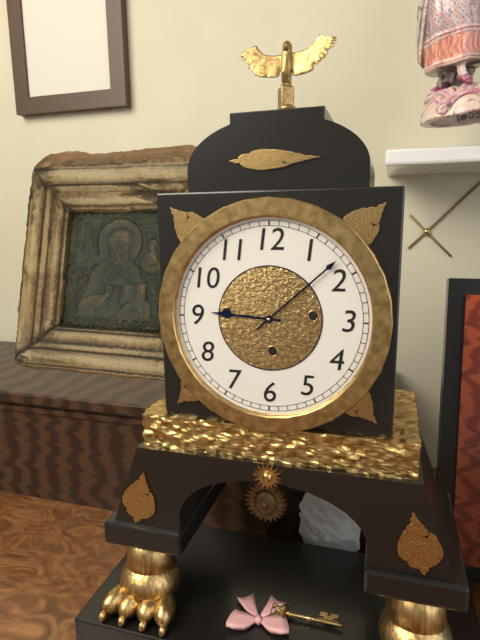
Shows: **9:08**
